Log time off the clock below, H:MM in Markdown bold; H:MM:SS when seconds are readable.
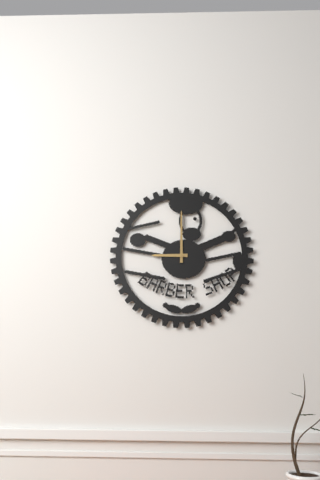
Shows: **9:00**
